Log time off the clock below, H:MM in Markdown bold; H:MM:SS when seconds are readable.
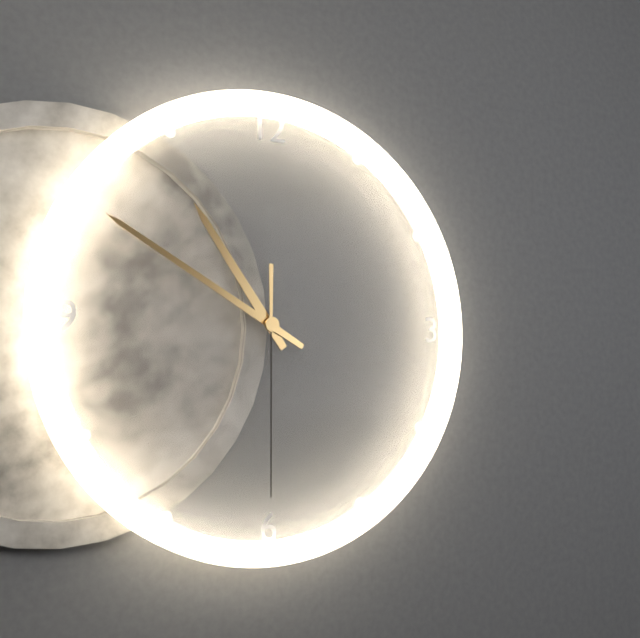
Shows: **10:50:30**
